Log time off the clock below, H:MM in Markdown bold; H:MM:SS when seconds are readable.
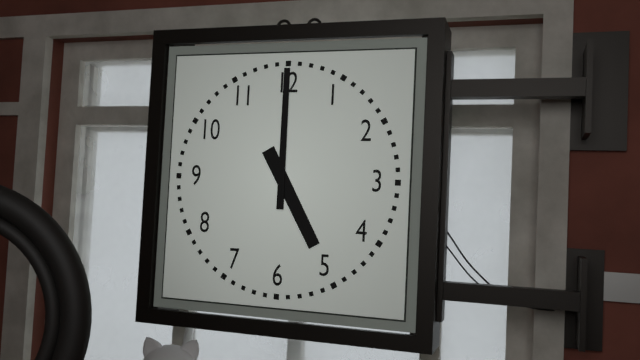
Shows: **5:00**
